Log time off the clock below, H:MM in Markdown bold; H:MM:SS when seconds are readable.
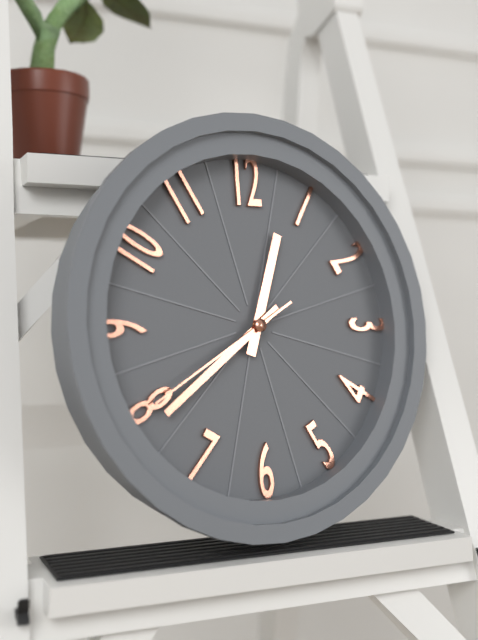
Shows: **12:39:40**
